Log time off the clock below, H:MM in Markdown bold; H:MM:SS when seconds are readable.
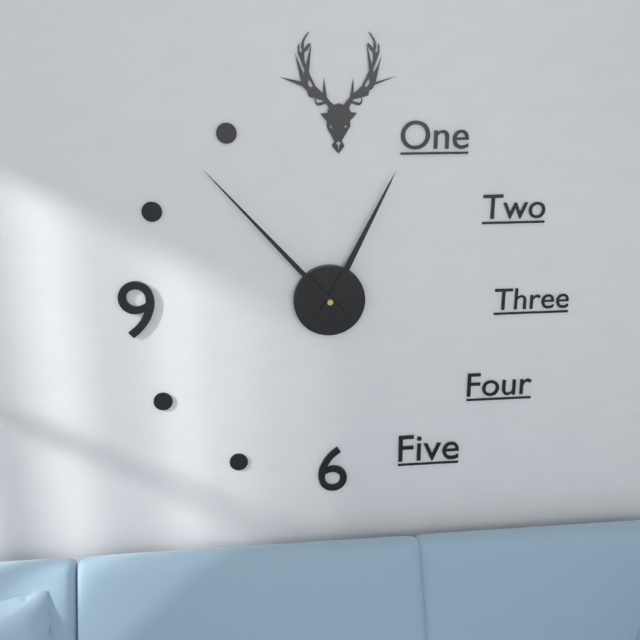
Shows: **12:53**
